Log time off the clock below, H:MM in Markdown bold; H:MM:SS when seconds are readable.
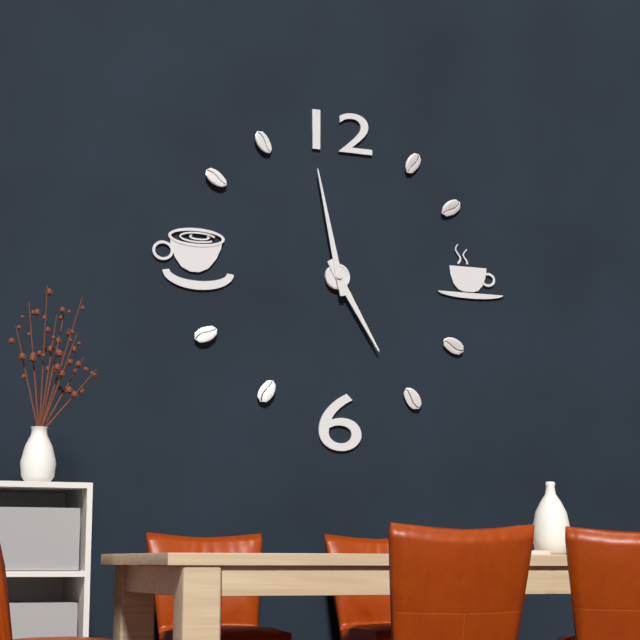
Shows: **4:58**
